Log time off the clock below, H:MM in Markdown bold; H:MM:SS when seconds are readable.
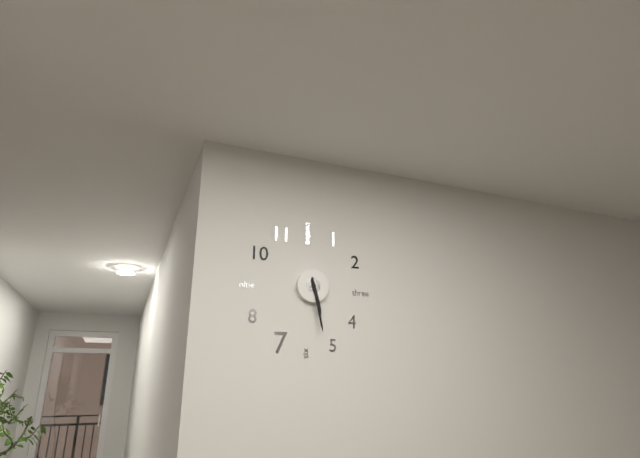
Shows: **5:28**
